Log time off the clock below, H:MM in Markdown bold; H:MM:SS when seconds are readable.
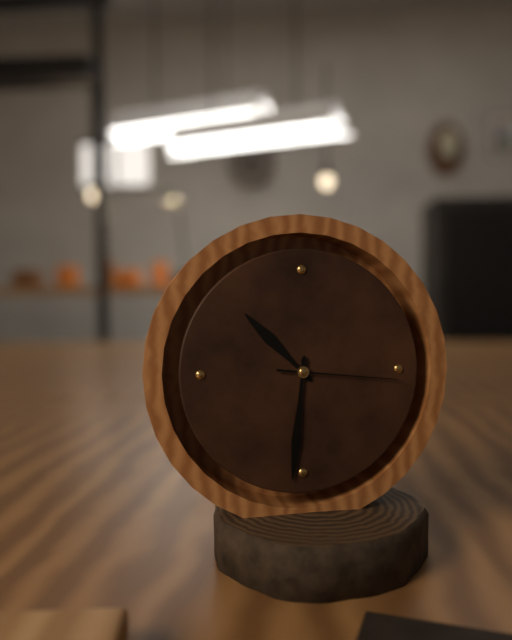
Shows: **10:31:16**
